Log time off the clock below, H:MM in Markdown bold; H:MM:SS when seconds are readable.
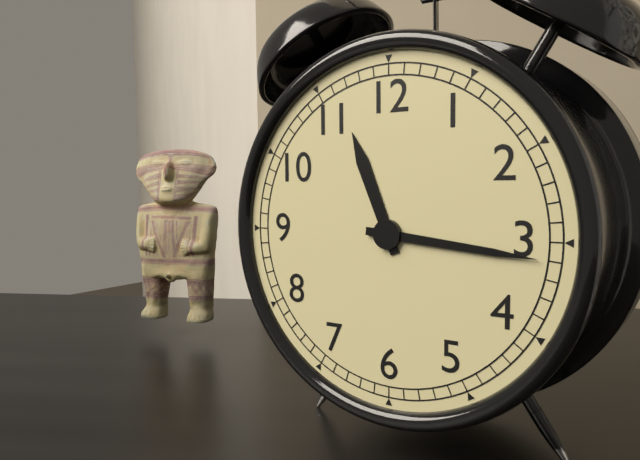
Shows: **11:16**
